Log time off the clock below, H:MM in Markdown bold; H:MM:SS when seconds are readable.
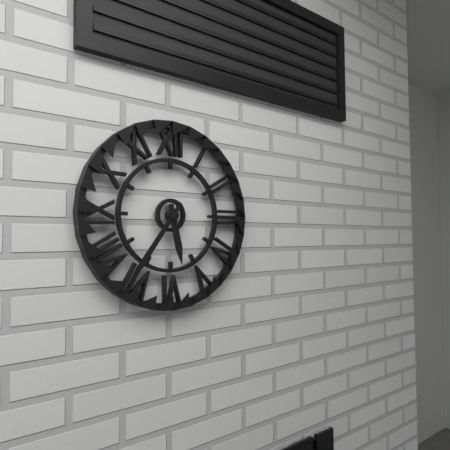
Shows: **5:36**
